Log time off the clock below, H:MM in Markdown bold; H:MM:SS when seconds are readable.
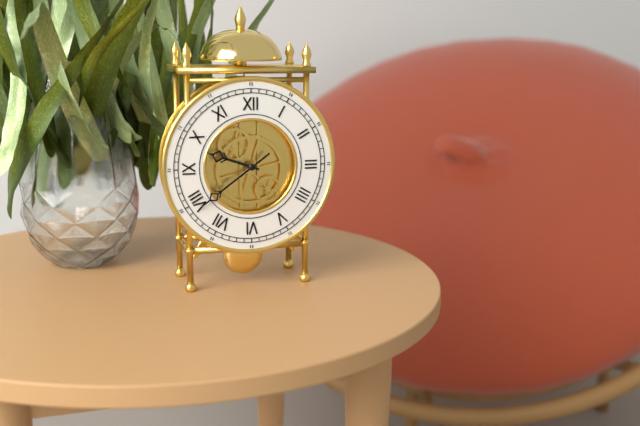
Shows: **9:39**
